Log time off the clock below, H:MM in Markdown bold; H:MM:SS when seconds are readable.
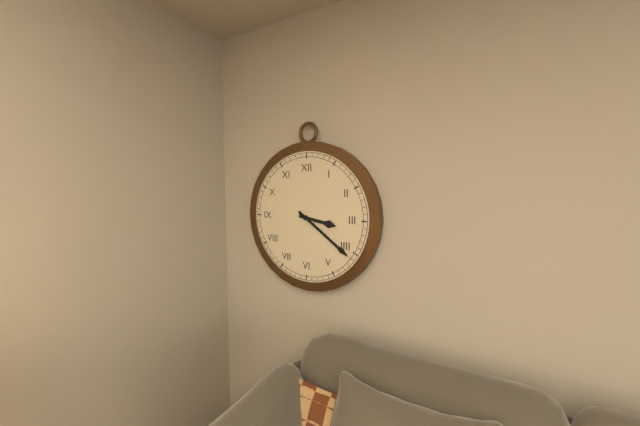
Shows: **3:21**
